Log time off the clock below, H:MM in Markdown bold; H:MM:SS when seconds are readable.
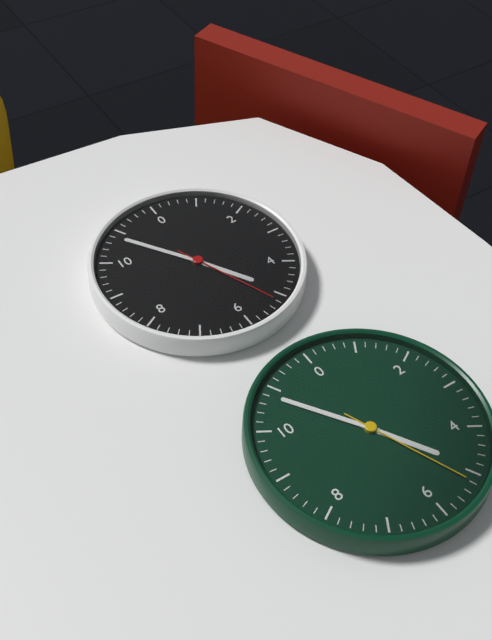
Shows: **4:54:26**
